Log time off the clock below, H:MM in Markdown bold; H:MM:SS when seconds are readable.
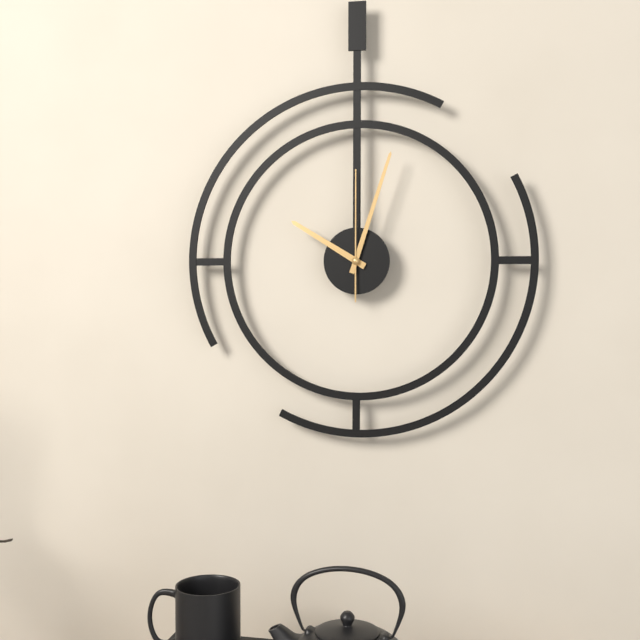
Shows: **10:03:00**
